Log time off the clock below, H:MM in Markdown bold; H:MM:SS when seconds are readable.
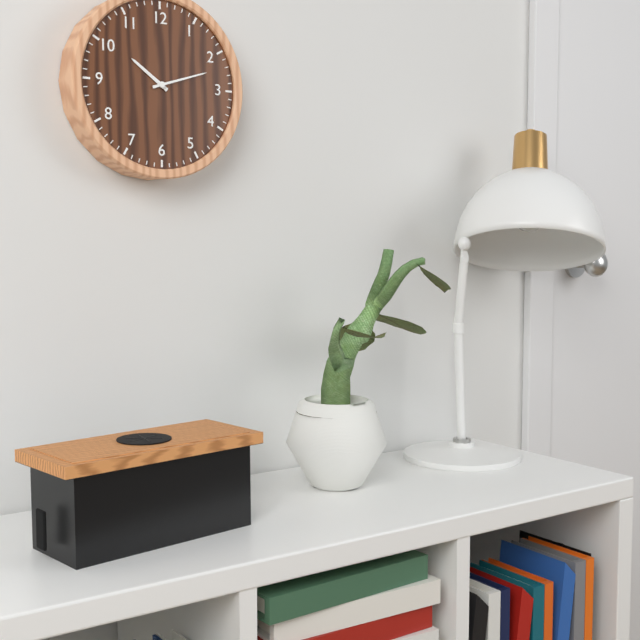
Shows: **10:12**
